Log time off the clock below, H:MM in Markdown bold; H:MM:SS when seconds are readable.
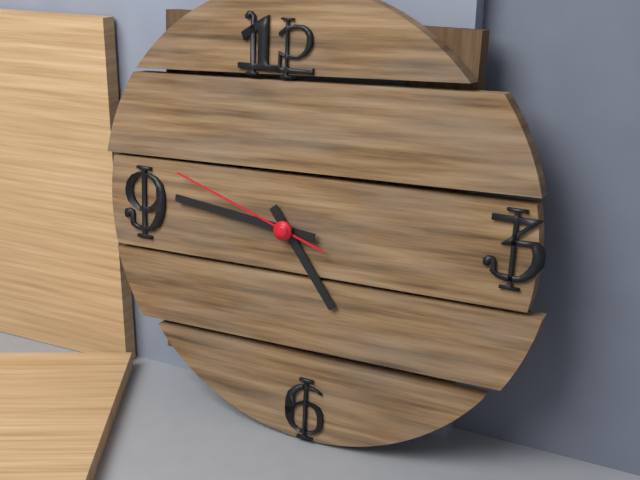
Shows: **4:46:48**
